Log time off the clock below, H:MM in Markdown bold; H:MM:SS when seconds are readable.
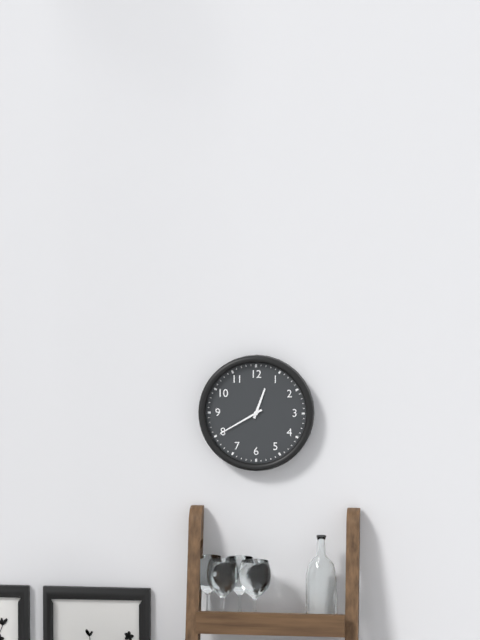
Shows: **12:40**
